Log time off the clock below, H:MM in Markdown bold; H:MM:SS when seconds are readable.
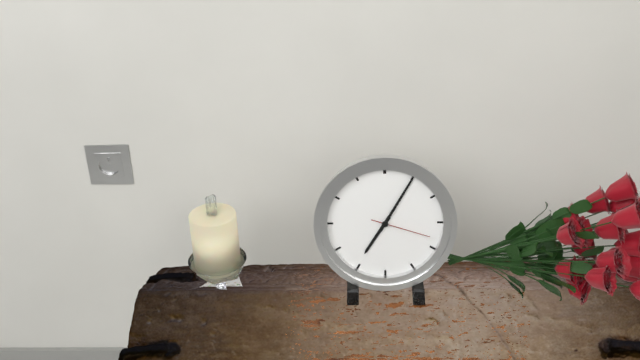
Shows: **7:05:18**
